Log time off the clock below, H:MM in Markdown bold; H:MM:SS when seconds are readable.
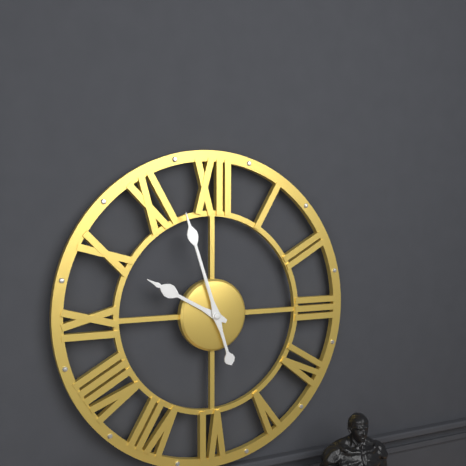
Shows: **9:57**
